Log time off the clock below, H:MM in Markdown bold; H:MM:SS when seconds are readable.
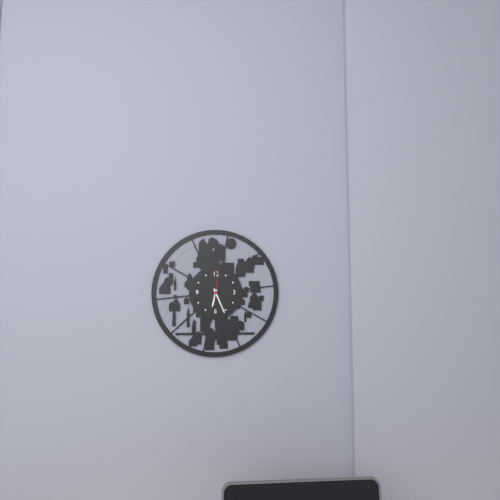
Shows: **6:26**
